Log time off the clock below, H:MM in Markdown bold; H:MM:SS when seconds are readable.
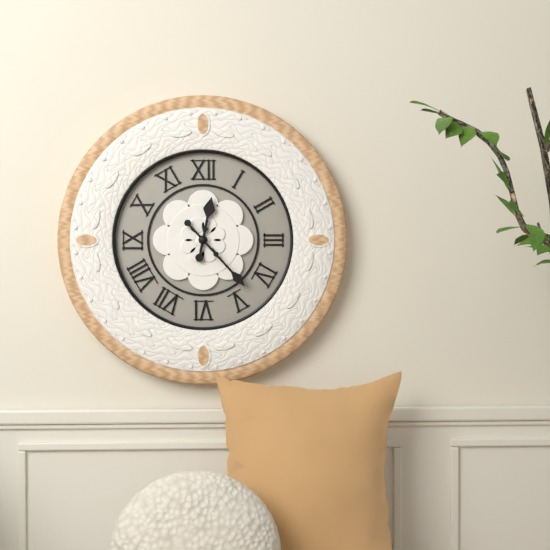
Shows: **12:23**
